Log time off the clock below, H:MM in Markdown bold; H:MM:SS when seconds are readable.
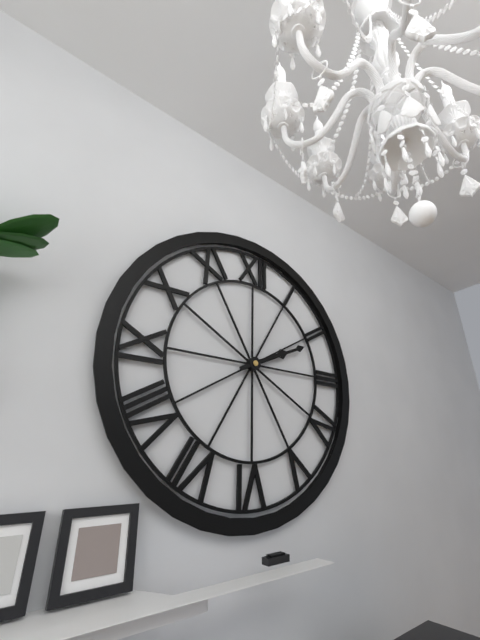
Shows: **2:11**
